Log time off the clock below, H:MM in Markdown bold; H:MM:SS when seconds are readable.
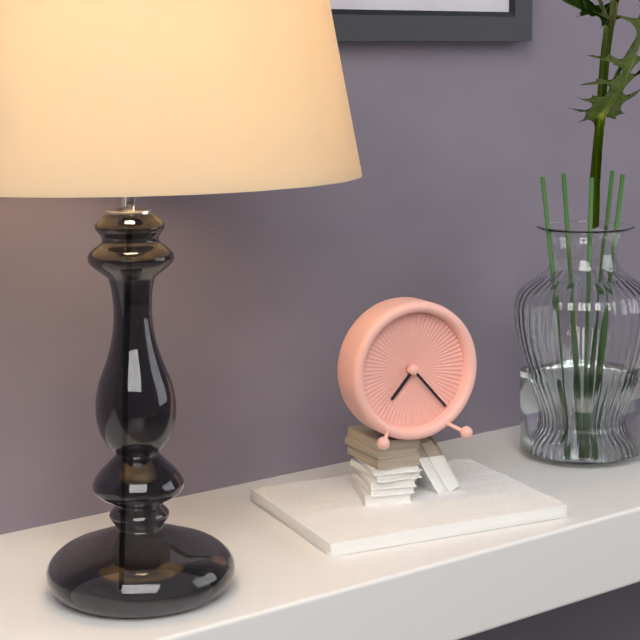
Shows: **7:23**
